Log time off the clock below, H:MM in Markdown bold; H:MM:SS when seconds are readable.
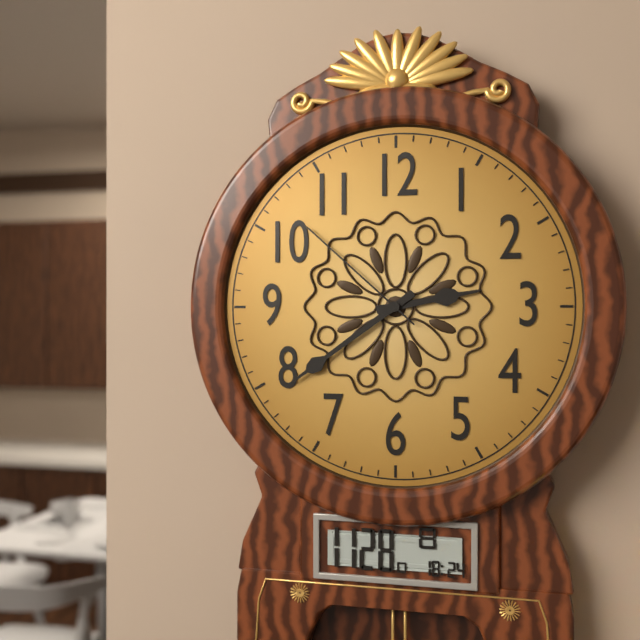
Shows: **2:39:52**
